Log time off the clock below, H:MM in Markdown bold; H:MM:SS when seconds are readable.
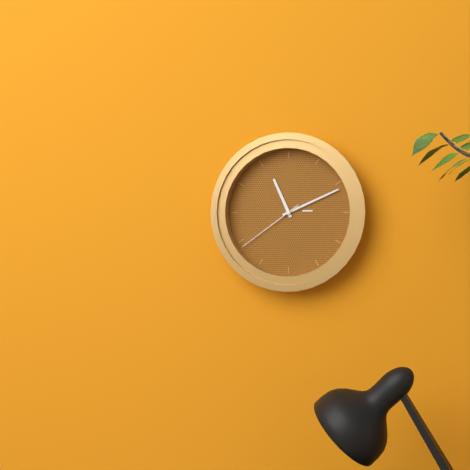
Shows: **11:11:39**
